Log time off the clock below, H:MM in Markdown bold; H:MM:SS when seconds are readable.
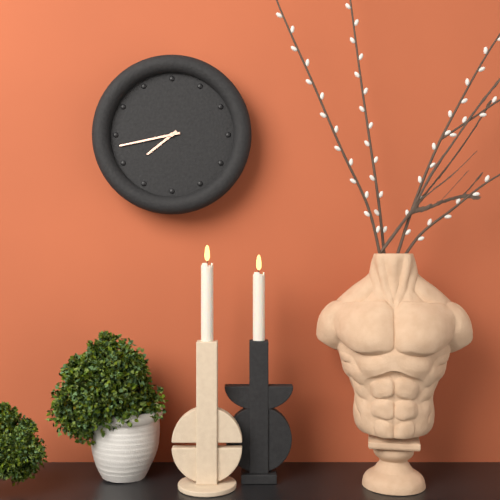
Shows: **7:43**
